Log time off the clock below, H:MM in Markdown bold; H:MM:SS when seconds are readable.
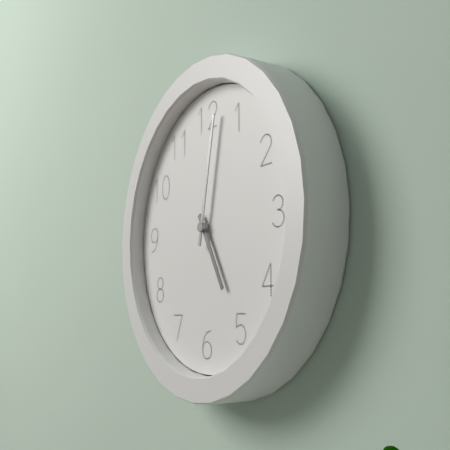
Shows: **5:02**
